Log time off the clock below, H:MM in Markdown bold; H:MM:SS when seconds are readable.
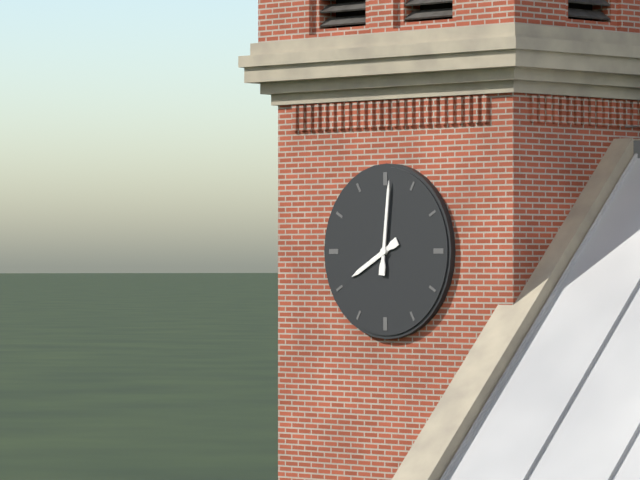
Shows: **8:01**
